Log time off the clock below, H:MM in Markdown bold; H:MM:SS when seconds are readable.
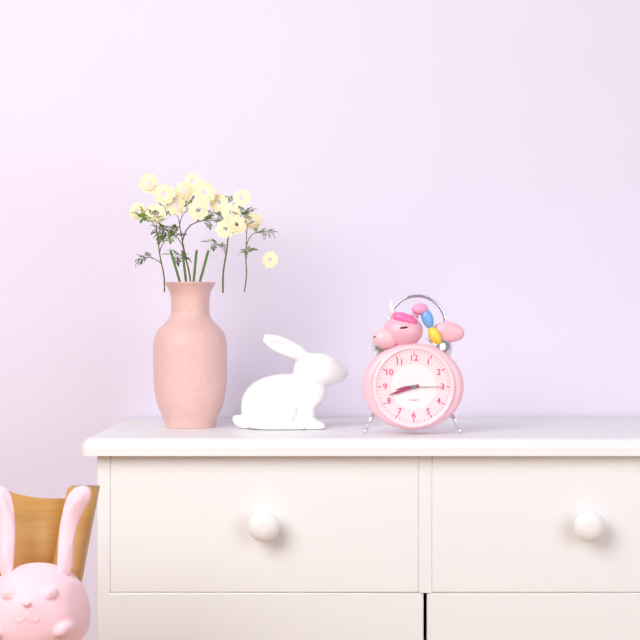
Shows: **8:42**
